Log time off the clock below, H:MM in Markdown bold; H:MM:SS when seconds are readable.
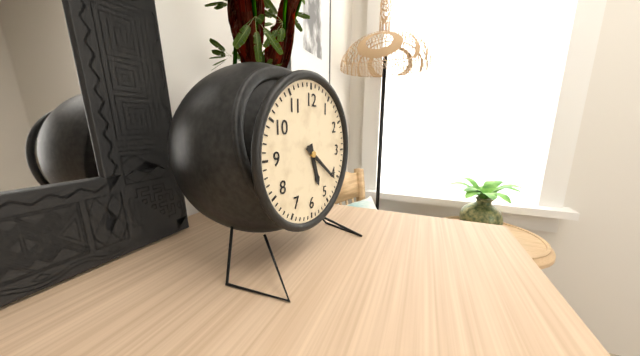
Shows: **5:21**
